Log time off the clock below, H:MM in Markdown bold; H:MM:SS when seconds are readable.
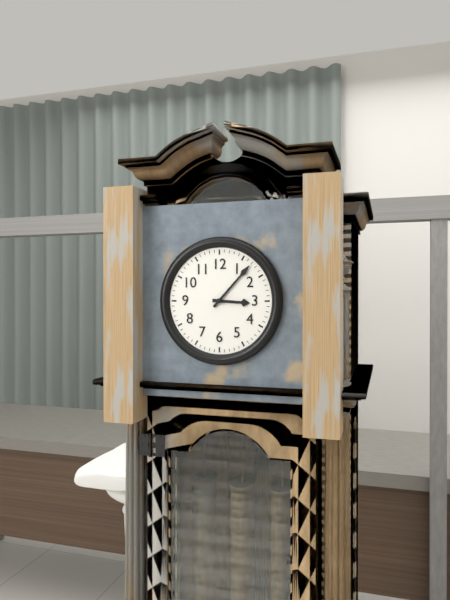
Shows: **3:07**
